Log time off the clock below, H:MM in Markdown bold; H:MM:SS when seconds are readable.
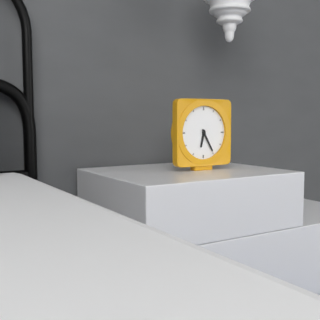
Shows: **6:25**
